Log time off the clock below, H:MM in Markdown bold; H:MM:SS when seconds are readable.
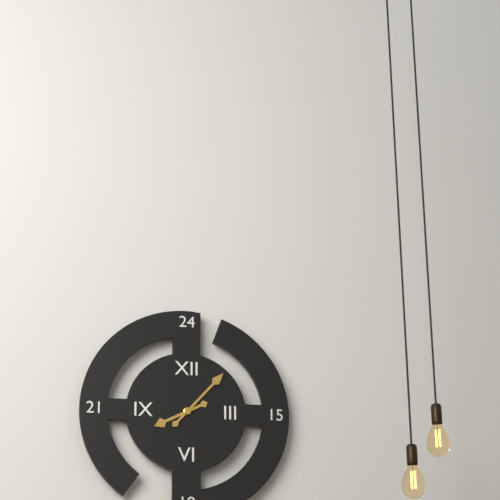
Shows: **8:07**
